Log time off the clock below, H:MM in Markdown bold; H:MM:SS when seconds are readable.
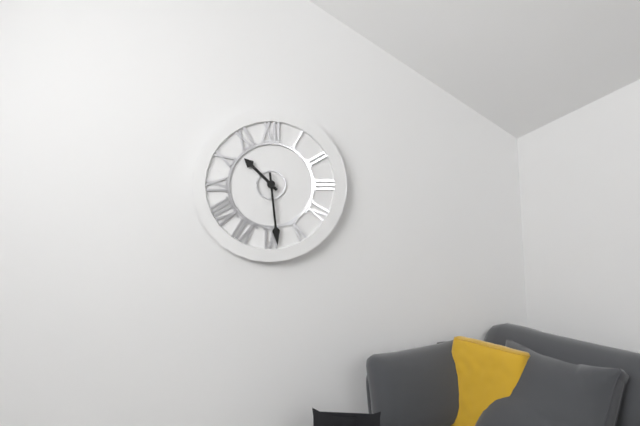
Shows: **10:29**
